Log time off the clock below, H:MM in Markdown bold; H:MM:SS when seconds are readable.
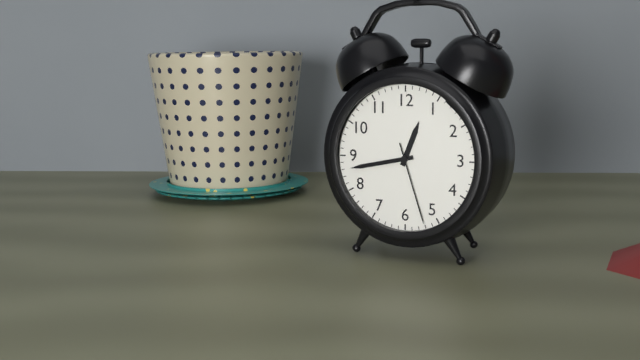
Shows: **12:43:27**
